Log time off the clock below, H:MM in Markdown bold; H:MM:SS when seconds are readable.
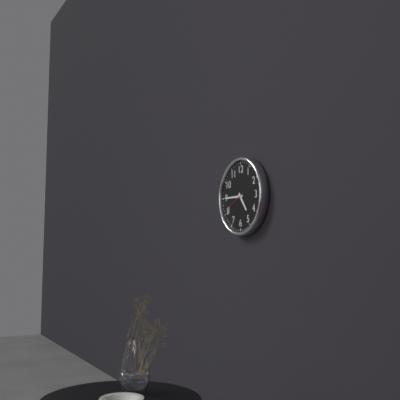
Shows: **4:45**
